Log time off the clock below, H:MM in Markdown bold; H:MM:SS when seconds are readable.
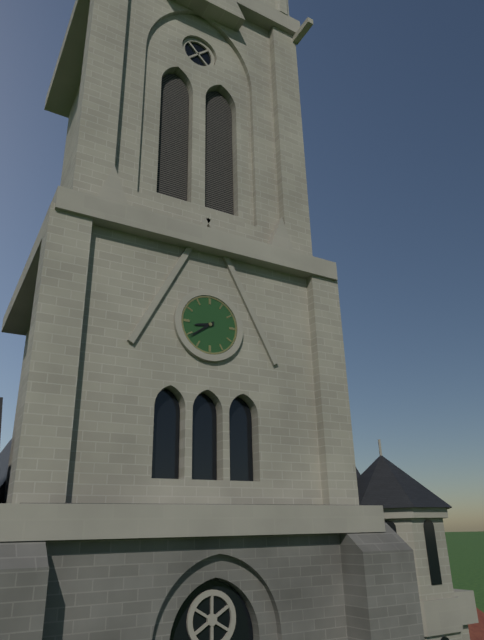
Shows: **8:39**
